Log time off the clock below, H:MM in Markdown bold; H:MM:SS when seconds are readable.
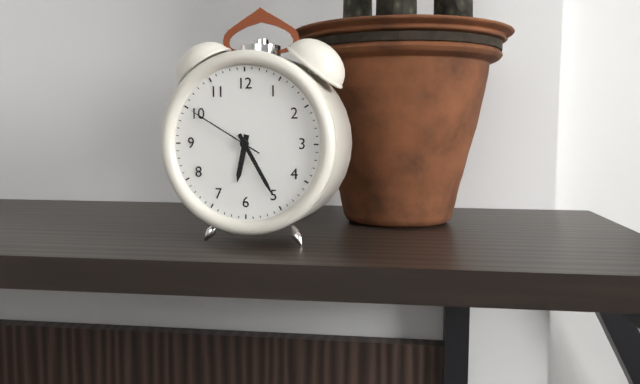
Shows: **6:25:50**
